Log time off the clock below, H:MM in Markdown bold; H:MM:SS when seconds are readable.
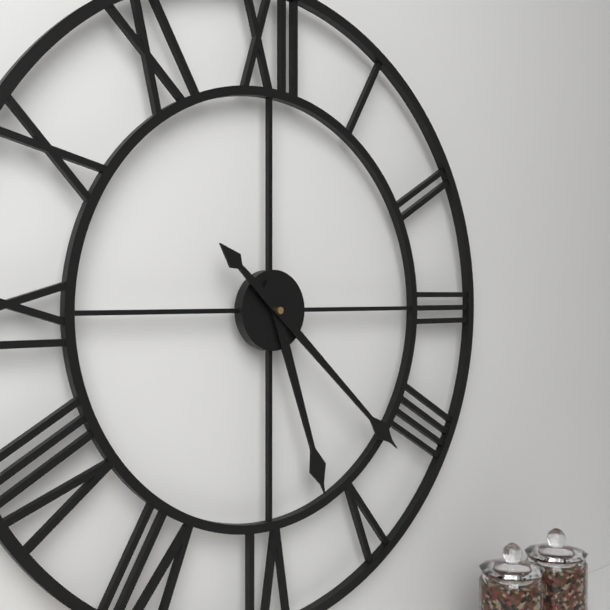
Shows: **5:22**
